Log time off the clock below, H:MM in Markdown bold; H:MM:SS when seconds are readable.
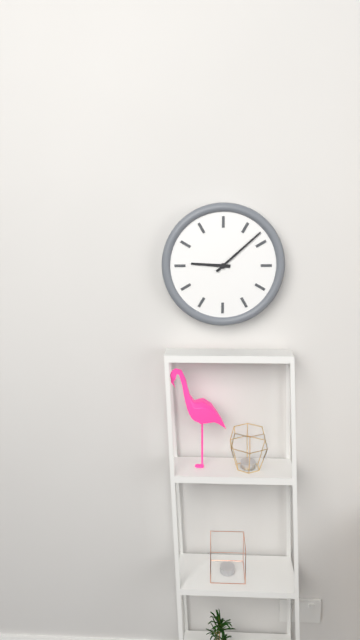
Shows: **9:08**
